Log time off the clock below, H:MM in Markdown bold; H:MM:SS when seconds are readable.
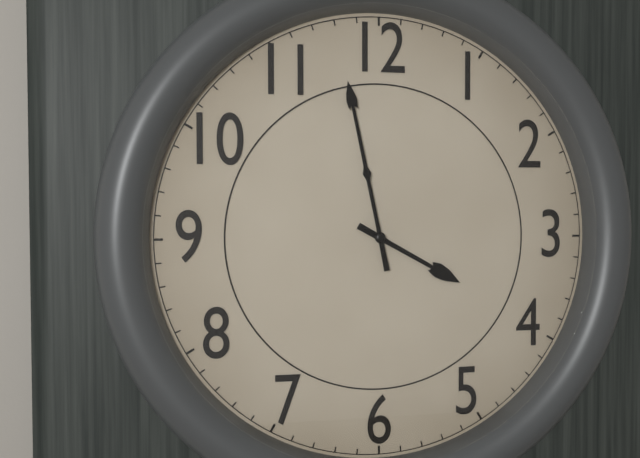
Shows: **3:58**
